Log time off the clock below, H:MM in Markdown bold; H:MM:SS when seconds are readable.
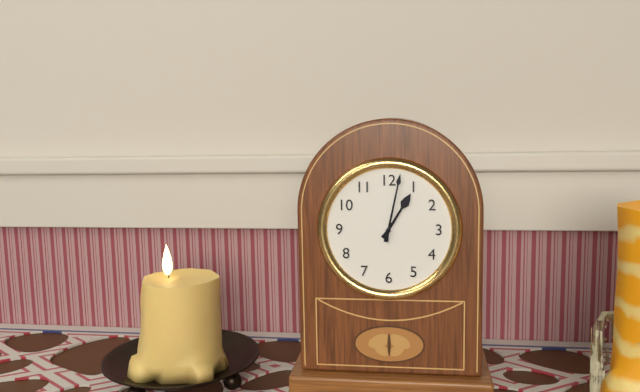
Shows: **1:02**
